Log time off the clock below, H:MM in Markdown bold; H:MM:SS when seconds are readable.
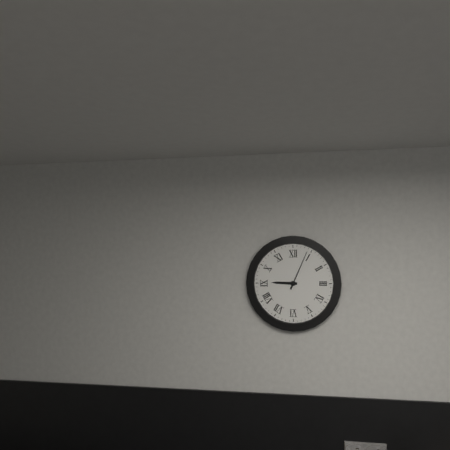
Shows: **9:04**
